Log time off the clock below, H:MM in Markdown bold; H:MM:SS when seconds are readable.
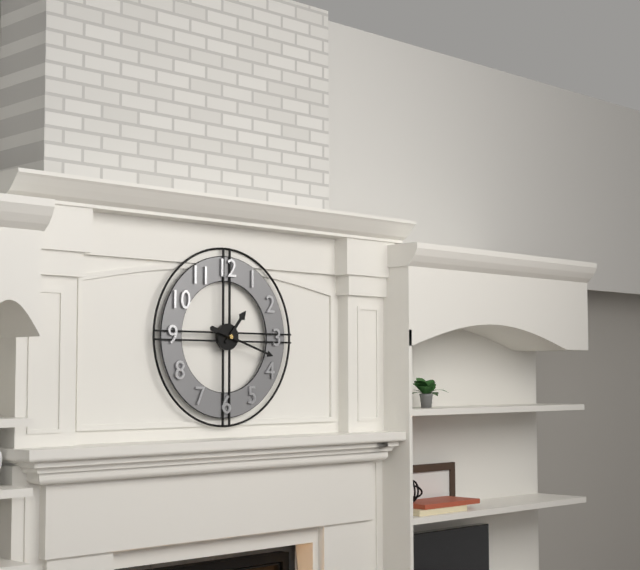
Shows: **1:18**
